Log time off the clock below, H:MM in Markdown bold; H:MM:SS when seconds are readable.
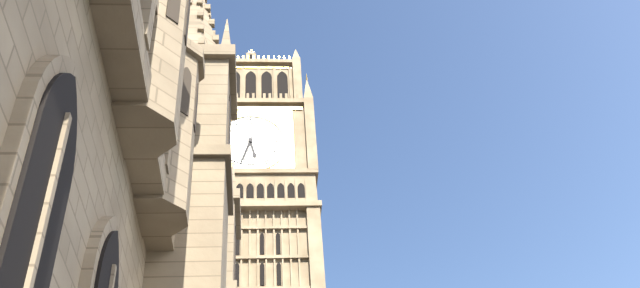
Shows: **5:33**
